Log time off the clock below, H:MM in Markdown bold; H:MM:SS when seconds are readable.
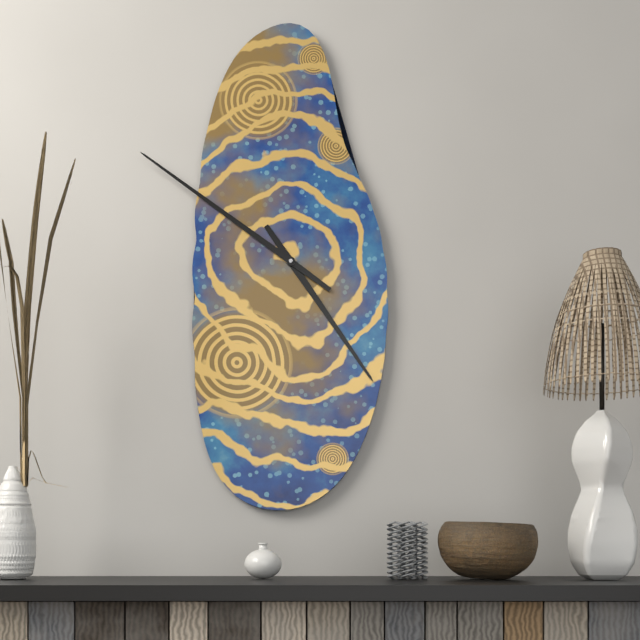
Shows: **4:51**
